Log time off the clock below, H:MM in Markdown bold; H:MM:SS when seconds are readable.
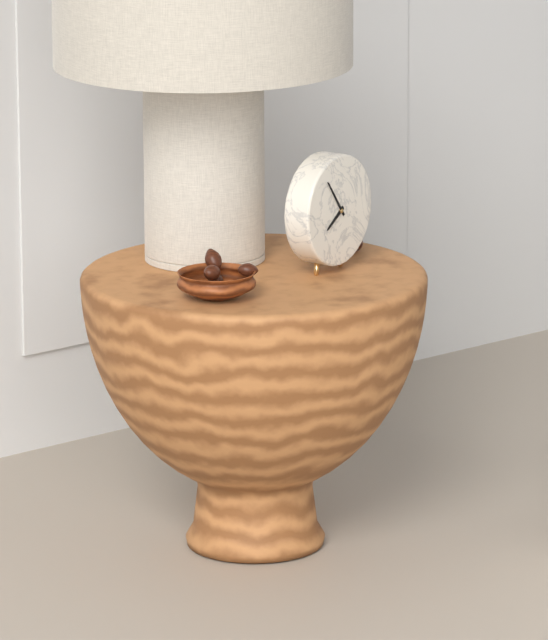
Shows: **7:54**
